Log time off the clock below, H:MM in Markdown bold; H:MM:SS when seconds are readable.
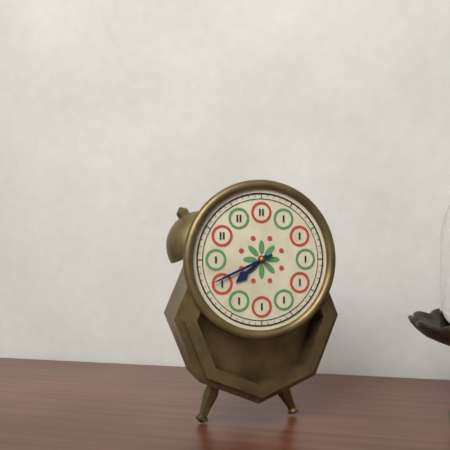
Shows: **7:41**
